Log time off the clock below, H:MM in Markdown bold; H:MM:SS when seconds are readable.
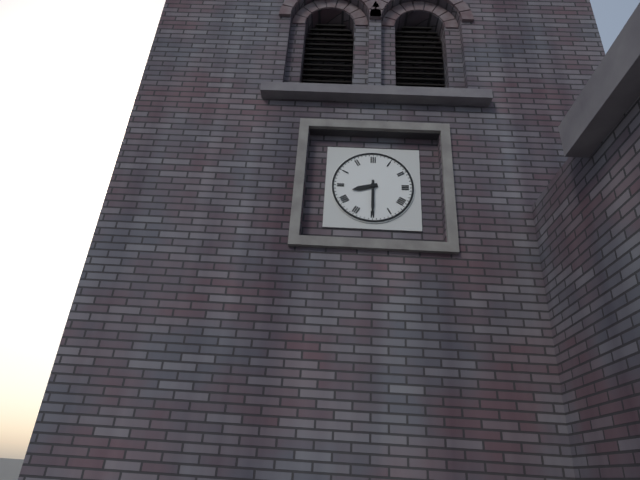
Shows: **8:30**
